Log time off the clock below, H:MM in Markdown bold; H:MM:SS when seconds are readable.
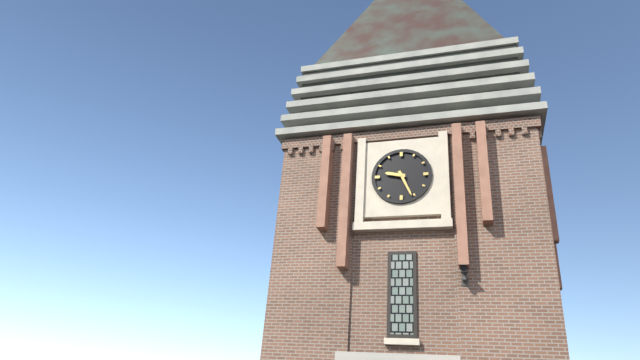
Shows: **9:26**
